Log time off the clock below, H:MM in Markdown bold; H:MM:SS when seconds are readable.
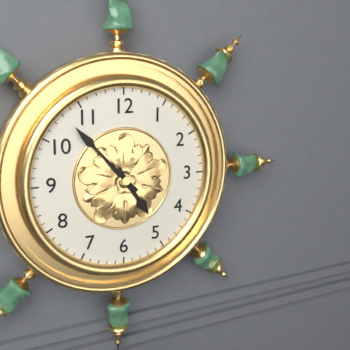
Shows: **4:53**
